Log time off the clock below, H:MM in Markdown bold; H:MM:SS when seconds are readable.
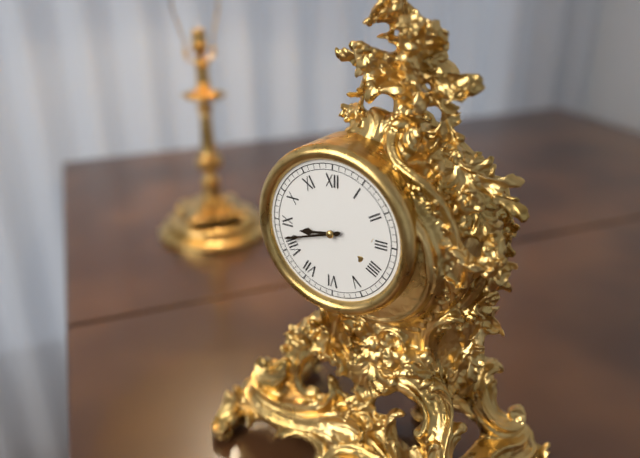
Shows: **8:42**
